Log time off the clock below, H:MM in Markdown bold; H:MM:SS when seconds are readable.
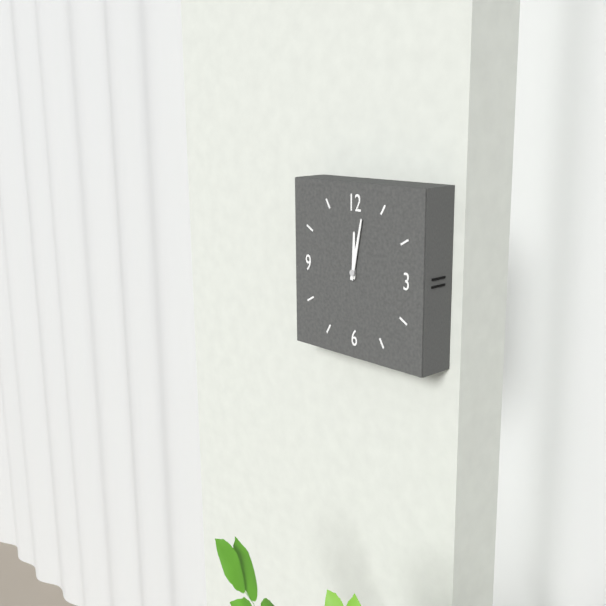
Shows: **12:02**
